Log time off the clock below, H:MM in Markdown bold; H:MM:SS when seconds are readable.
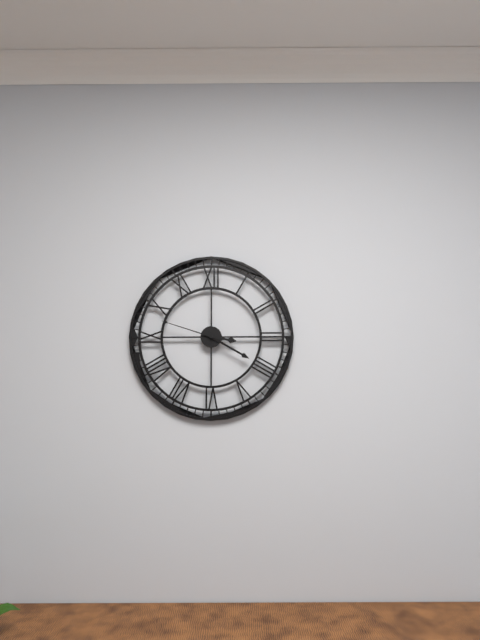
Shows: **3:20:48**
